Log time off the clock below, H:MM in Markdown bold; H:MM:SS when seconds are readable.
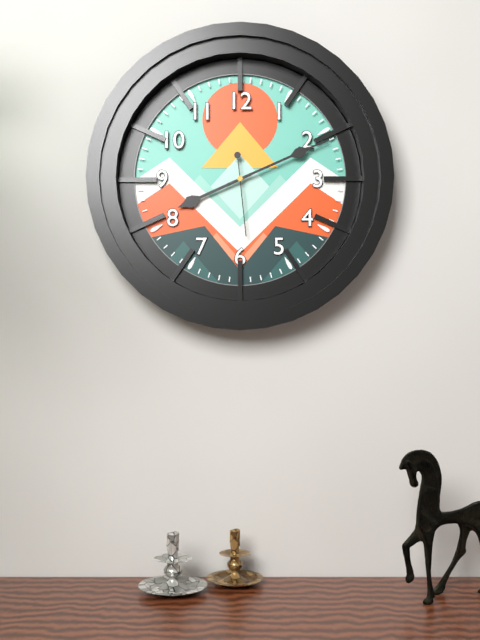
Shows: **8:11:29**
